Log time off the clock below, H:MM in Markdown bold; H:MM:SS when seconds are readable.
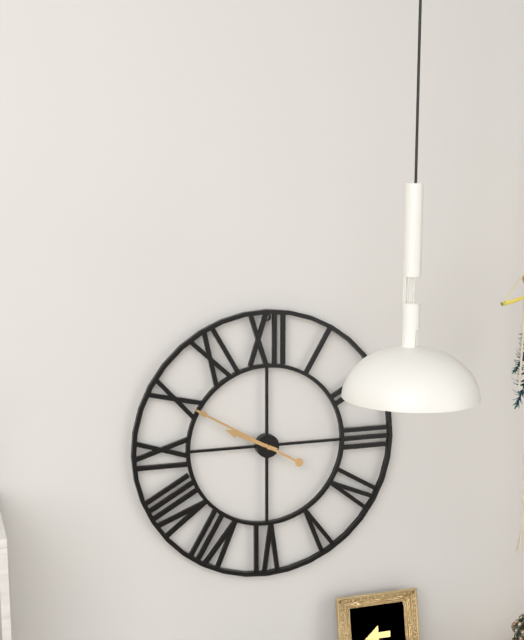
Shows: **9:50**
